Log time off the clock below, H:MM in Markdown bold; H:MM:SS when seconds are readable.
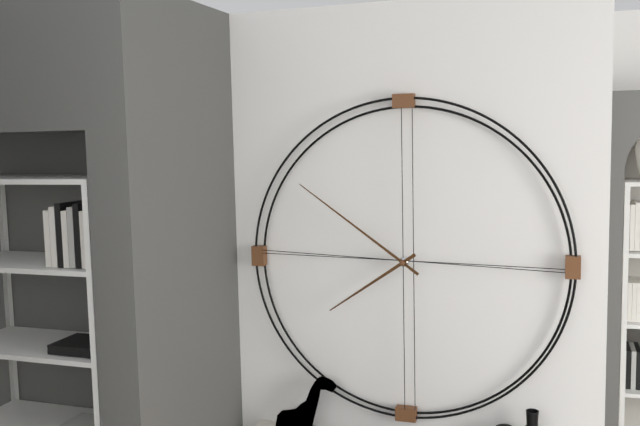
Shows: **7:51**
